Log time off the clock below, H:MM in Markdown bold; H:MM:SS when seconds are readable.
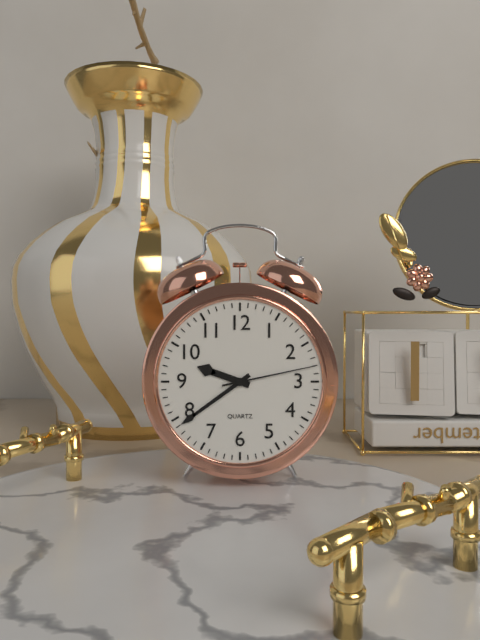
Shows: **9:39:13**
